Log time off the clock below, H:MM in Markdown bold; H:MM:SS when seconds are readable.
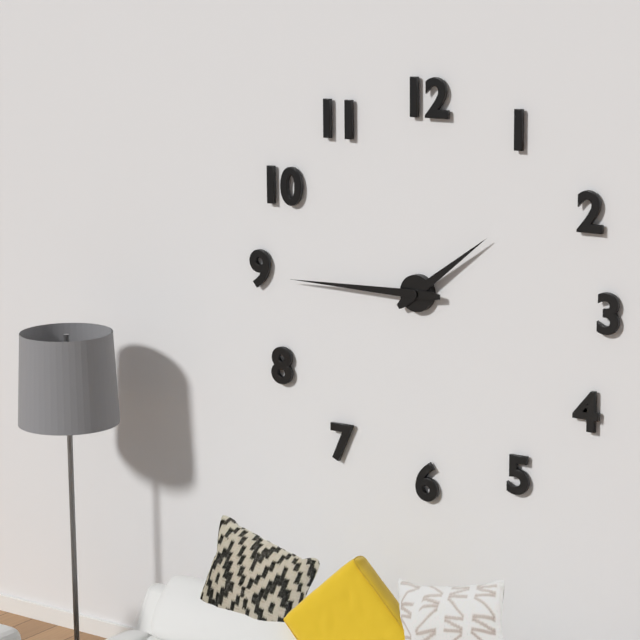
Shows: **1:45**
